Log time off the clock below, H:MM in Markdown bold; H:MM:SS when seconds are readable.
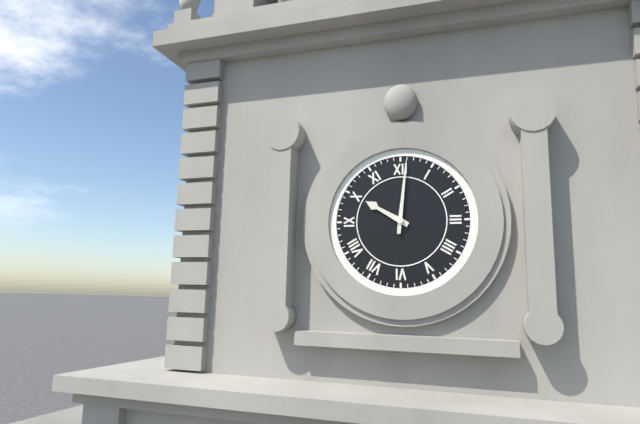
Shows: **10:01**
